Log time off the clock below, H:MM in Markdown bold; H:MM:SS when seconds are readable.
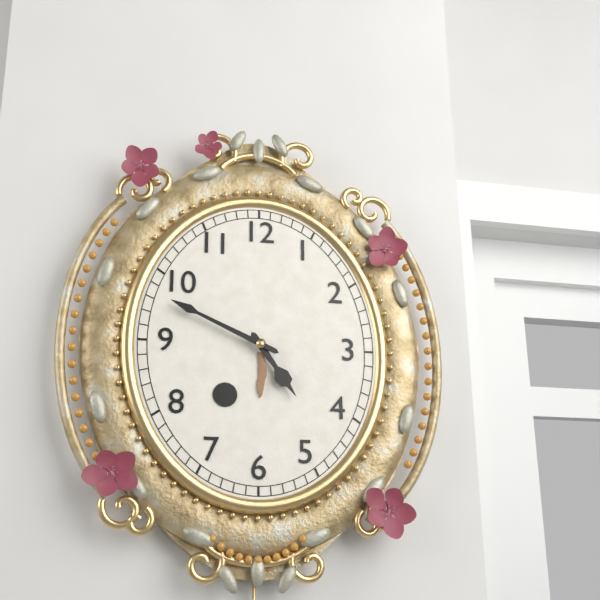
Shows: **4:49**
